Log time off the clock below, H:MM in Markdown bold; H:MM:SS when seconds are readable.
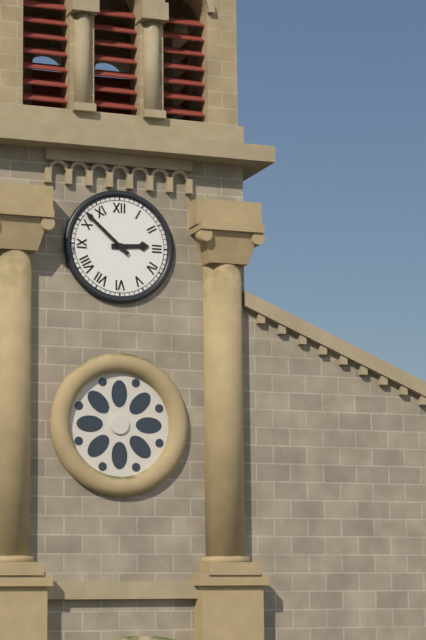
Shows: **2:52**
